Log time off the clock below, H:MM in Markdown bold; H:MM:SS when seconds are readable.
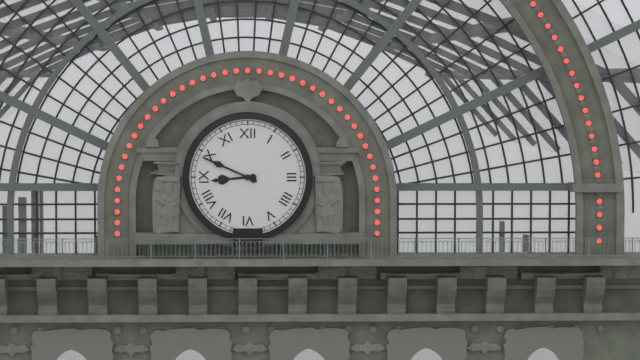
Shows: **8:49**
